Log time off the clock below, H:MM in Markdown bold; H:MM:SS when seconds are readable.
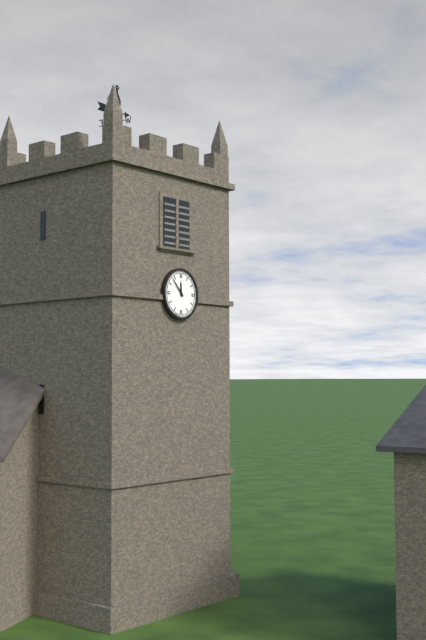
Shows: **11:53**
